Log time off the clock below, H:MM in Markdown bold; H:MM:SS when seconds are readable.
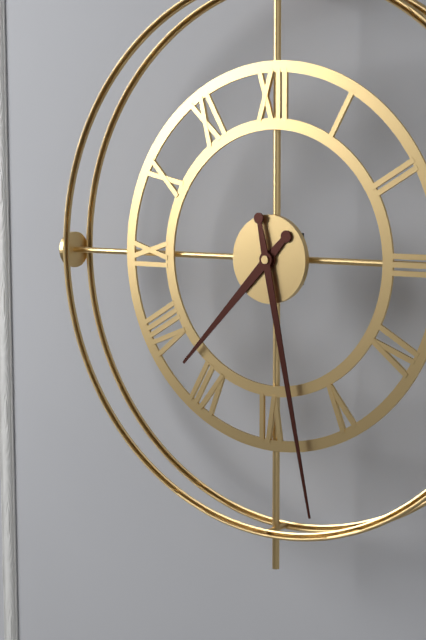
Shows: **7:28**
